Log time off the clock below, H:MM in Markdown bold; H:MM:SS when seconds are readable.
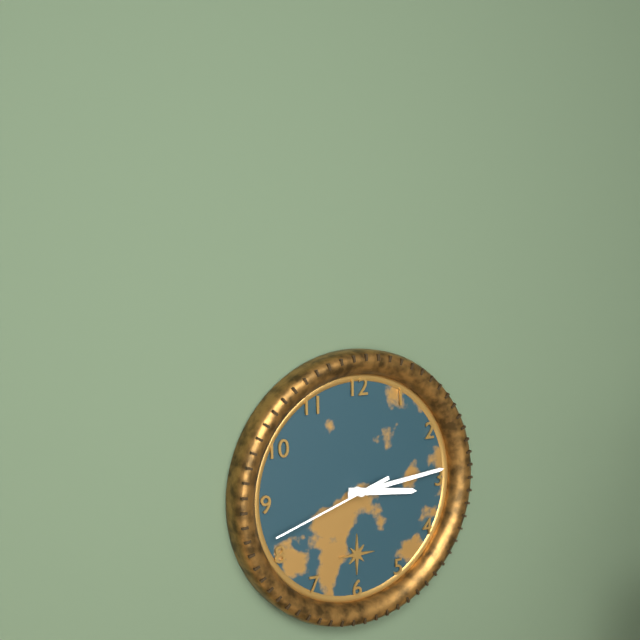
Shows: **3:14:42**
